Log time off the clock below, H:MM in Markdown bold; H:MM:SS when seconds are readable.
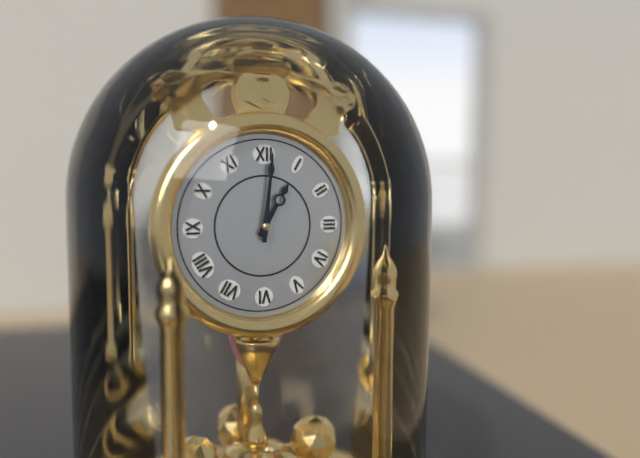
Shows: **1:01**
